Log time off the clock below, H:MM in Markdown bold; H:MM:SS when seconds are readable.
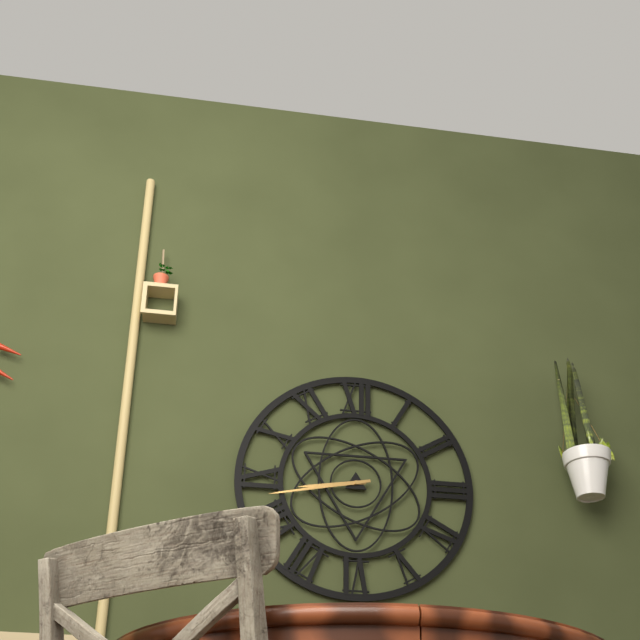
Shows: **8:43**
